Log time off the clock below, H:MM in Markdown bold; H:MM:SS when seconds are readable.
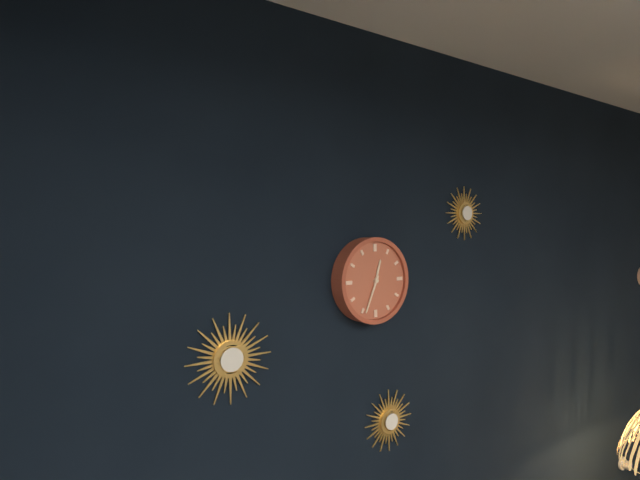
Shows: **12:34**
